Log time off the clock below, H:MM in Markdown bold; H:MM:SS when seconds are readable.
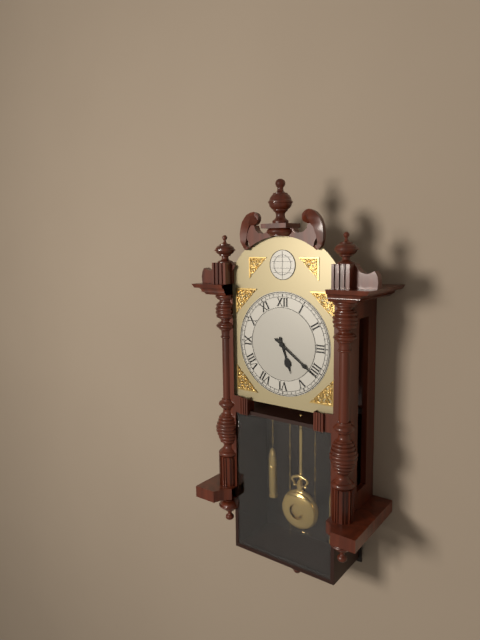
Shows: **5:21**
